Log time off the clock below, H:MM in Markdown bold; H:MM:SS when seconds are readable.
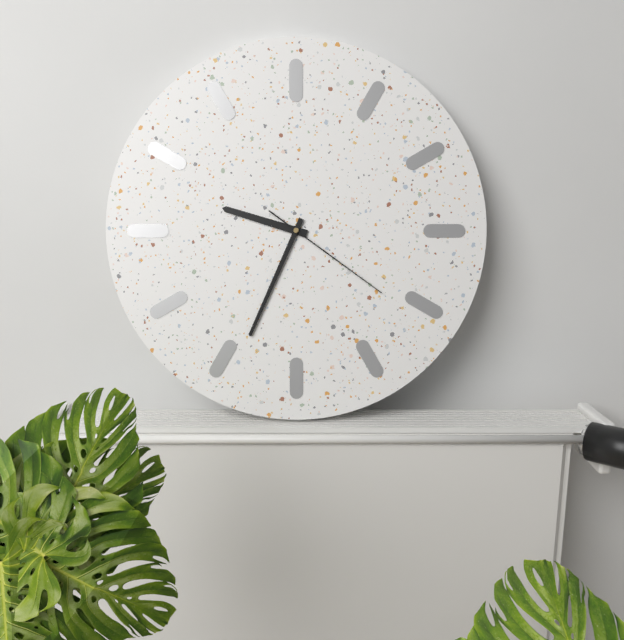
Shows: **9:34:21**
